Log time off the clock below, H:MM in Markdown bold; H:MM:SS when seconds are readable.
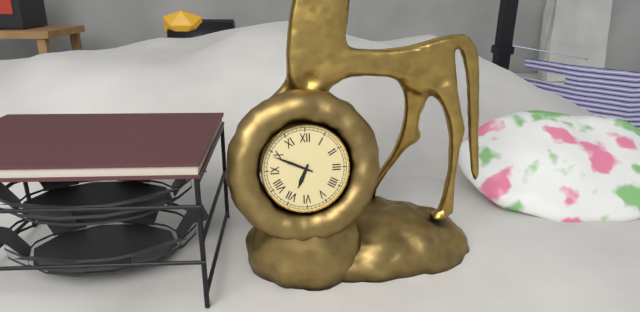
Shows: **6:49**
